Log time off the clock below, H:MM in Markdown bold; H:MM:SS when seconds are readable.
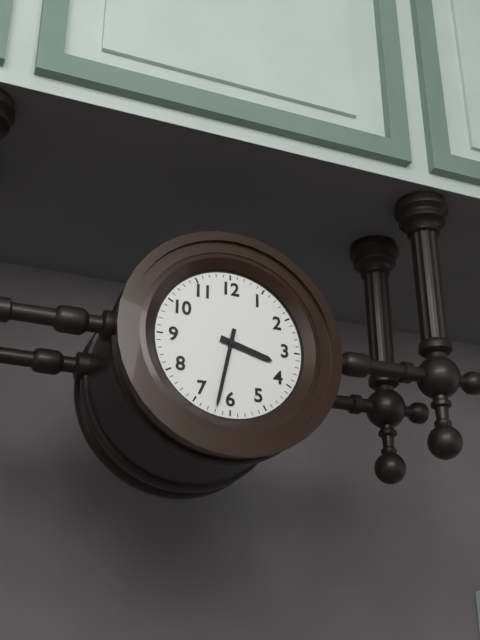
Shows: **3:32**
